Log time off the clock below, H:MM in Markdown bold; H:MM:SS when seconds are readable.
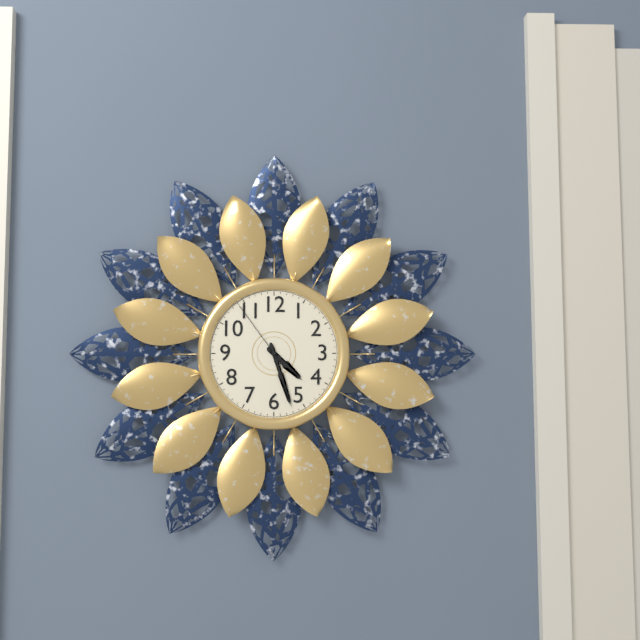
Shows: **4:27:54**
